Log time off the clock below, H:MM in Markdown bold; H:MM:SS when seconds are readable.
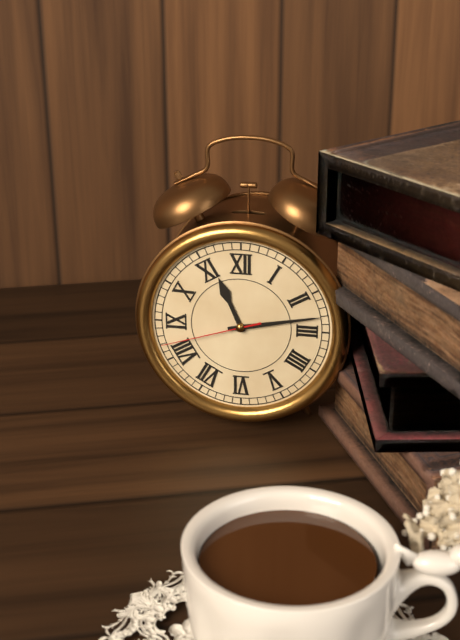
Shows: **11:13:42**
